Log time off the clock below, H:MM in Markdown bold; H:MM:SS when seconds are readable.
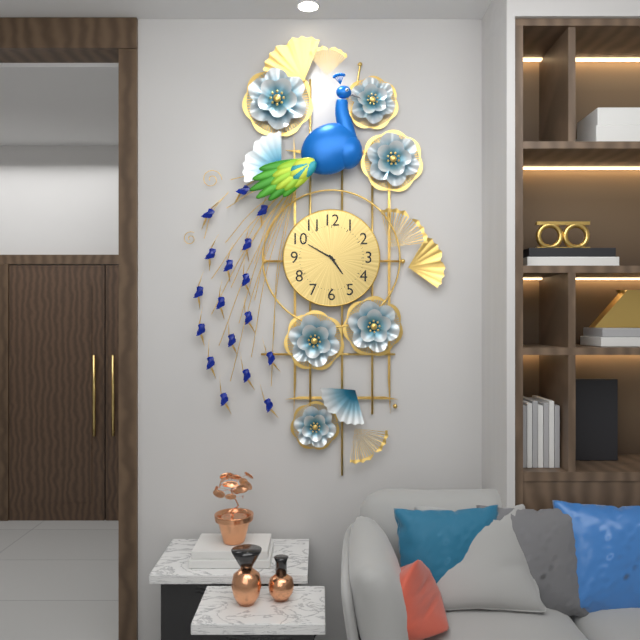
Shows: **4:50**
